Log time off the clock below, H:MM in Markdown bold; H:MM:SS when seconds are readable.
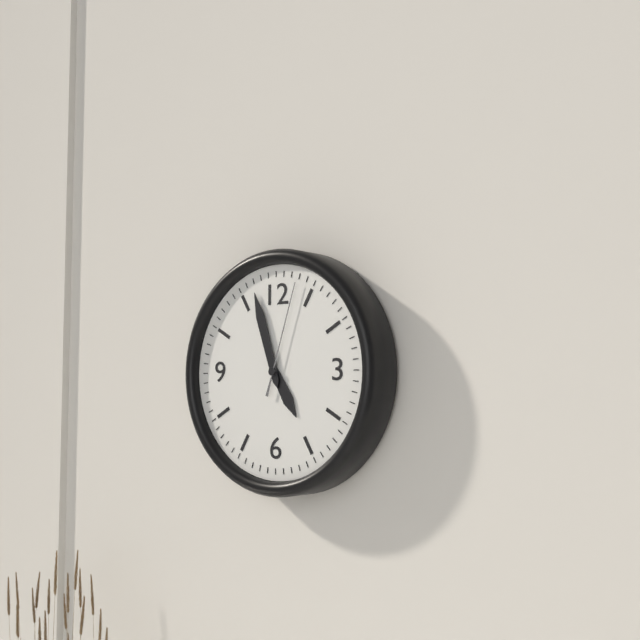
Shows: **4:57:03**
